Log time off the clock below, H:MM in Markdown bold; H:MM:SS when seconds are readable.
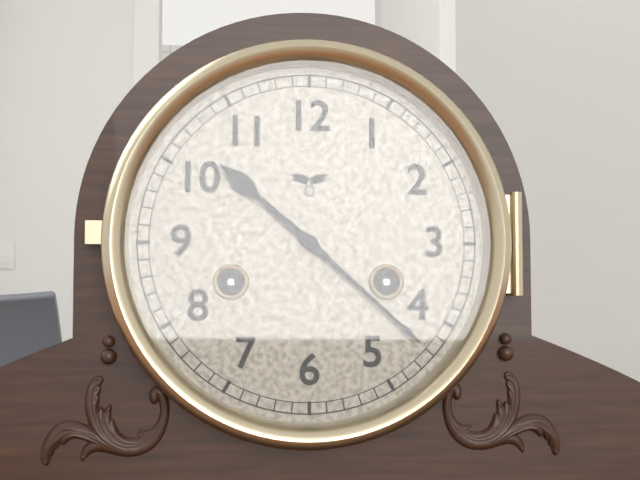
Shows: **10:22**
